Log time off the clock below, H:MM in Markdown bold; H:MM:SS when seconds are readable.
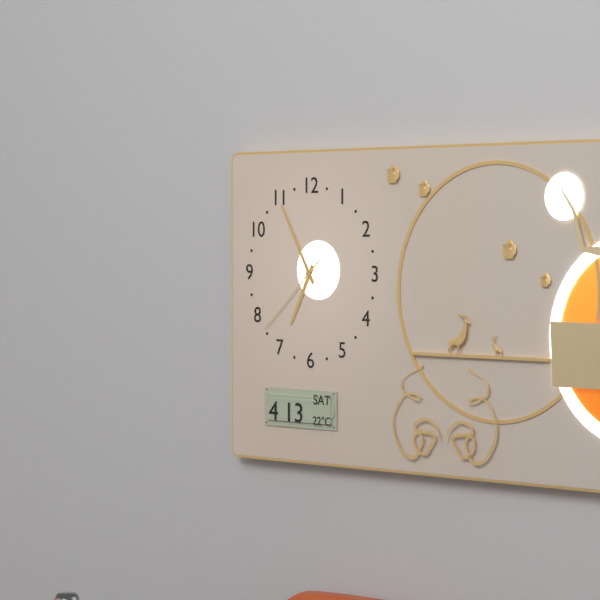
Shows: **6:55:38**
